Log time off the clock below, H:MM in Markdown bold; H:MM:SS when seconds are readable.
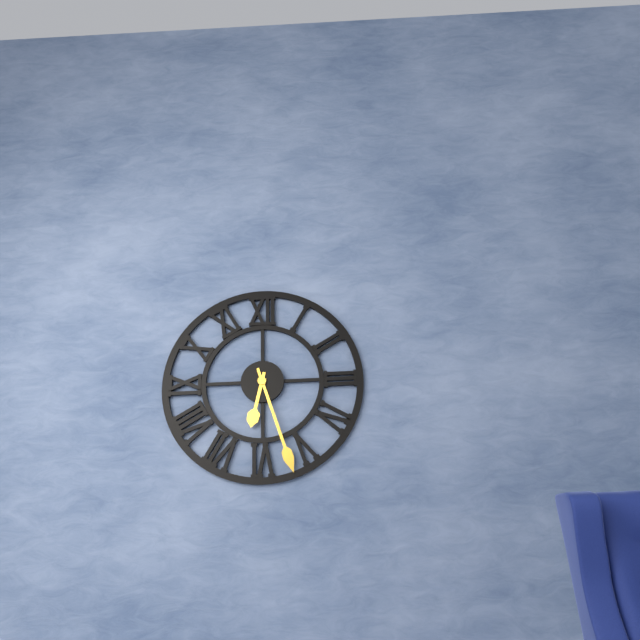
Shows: **6:27**
